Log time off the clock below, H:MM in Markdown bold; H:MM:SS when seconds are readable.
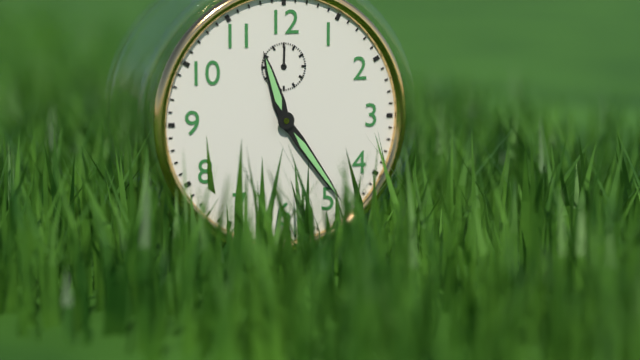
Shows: **11:24**
